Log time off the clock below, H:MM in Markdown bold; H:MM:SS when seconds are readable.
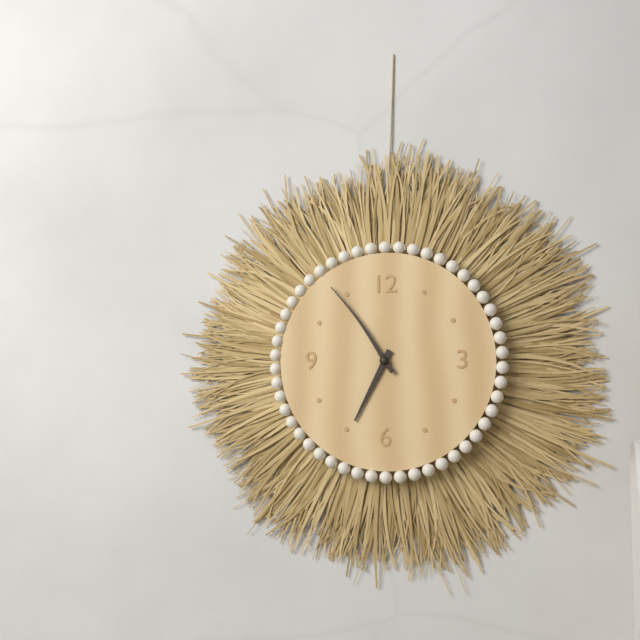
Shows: **6:54**
